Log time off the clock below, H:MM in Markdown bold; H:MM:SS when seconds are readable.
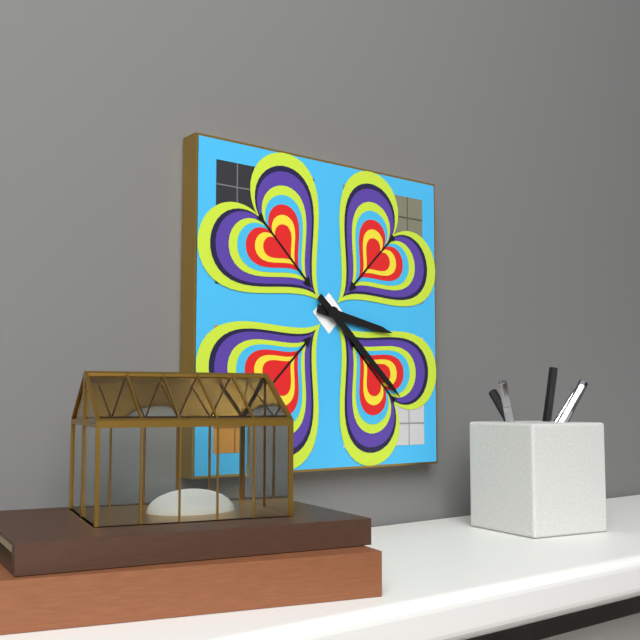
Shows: **3:22**
